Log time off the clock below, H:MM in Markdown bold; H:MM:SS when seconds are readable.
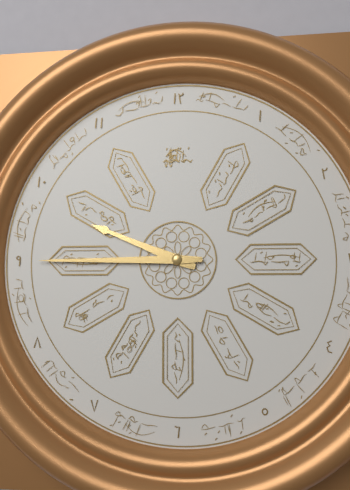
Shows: **9:45**
